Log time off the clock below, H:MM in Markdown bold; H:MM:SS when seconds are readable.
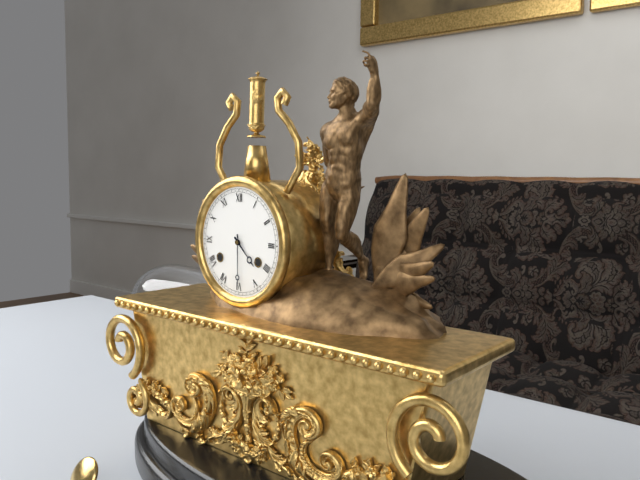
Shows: **4:30**
